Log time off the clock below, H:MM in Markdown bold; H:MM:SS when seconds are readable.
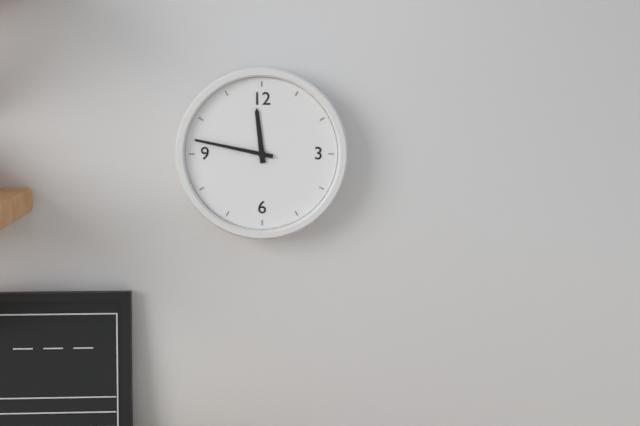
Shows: **11:47**
